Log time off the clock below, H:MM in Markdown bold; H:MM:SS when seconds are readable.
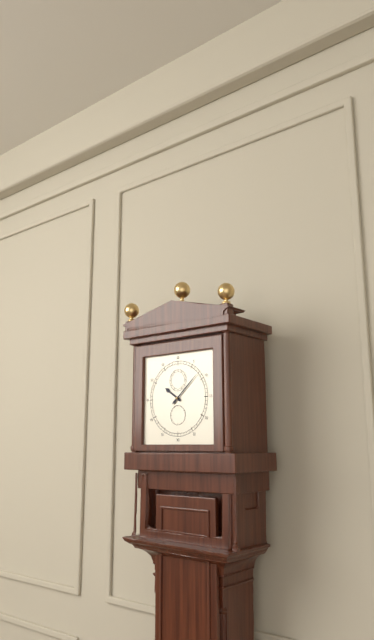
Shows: **10:08**
